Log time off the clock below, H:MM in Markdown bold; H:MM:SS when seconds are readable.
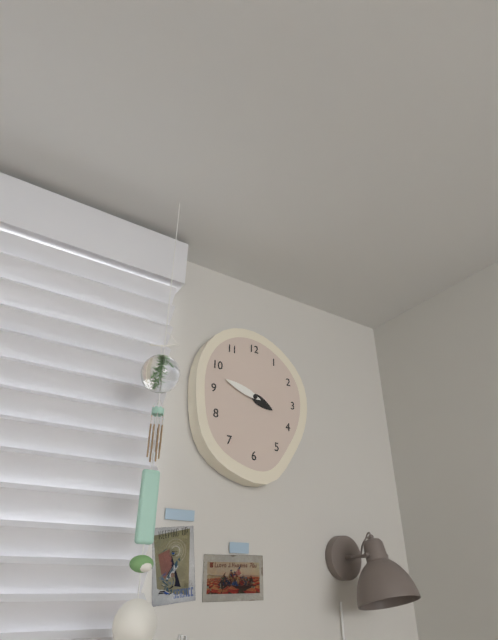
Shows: **3:48**
